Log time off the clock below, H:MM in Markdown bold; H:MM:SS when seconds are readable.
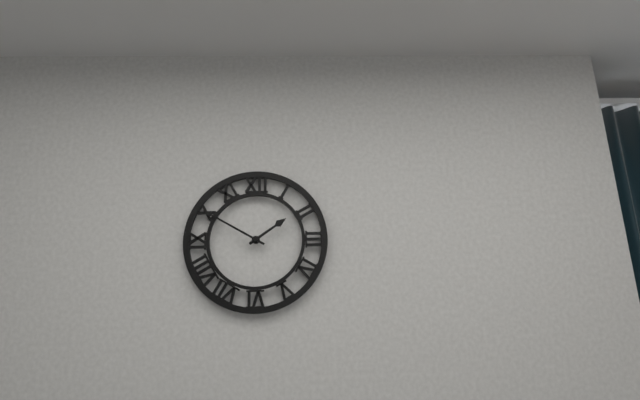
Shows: **1:50**
